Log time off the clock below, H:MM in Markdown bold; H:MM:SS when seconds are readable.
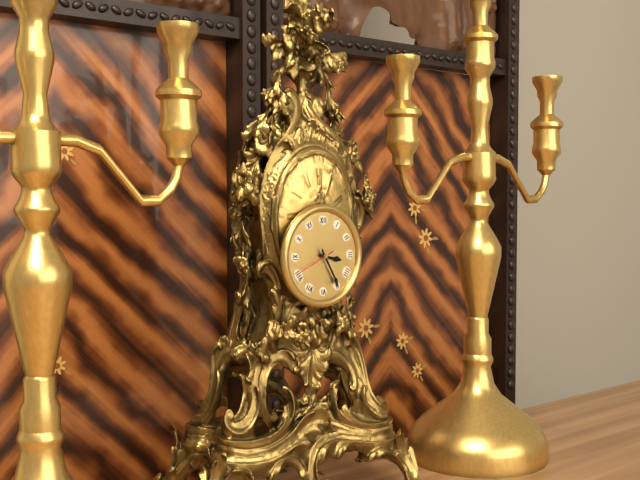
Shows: **3:25**
